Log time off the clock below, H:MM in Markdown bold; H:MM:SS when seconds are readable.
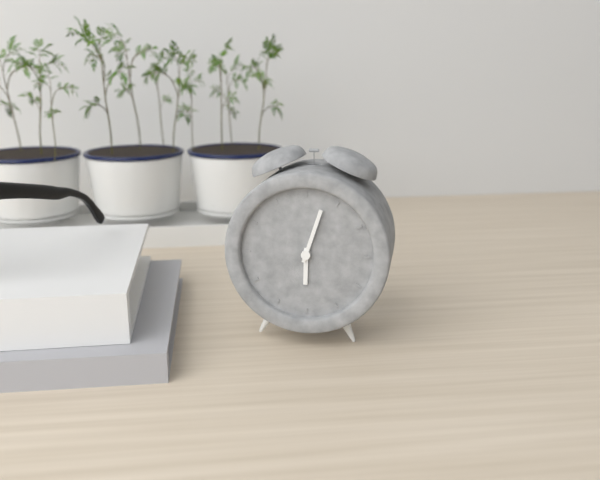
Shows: **6:03**
